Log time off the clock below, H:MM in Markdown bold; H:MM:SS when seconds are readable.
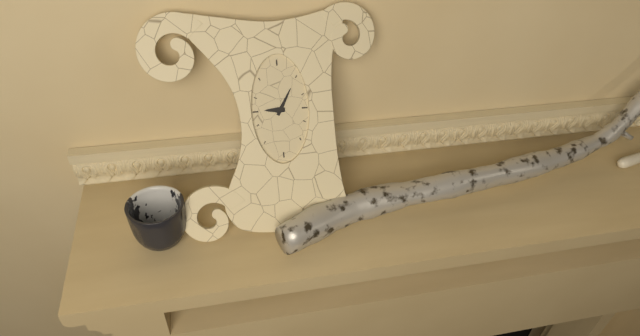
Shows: **9:05**
